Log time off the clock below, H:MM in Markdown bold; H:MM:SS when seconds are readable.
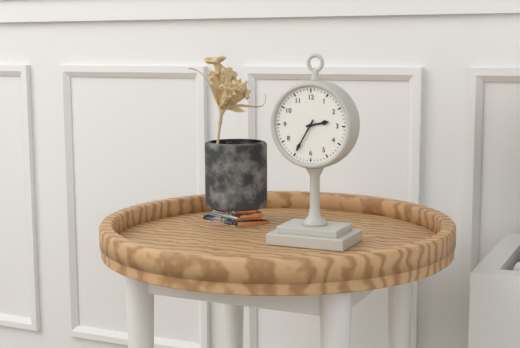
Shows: **2:35**
